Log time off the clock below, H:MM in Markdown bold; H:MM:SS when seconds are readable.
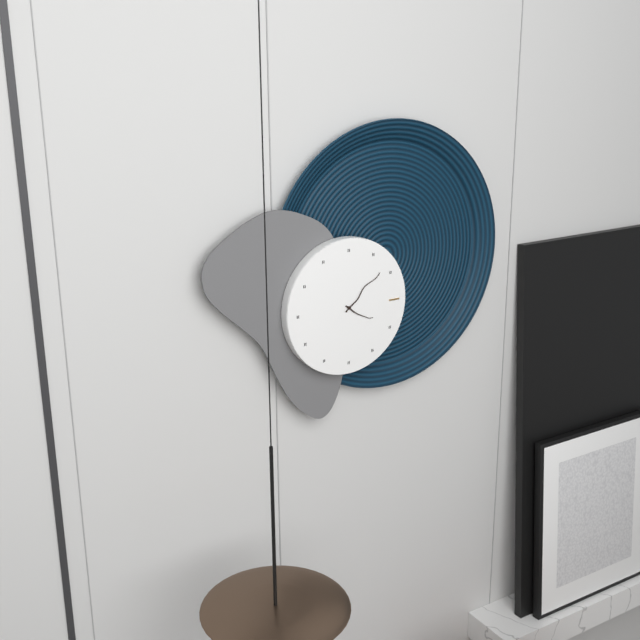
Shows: **4:08**
